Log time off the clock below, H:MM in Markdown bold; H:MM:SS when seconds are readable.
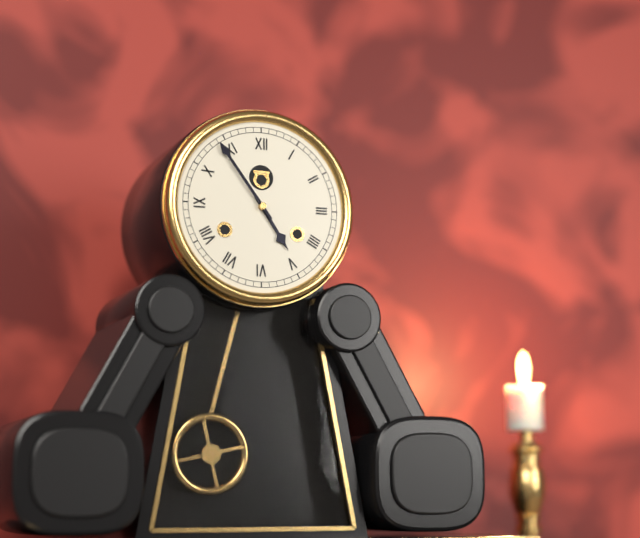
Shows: **4:54**
